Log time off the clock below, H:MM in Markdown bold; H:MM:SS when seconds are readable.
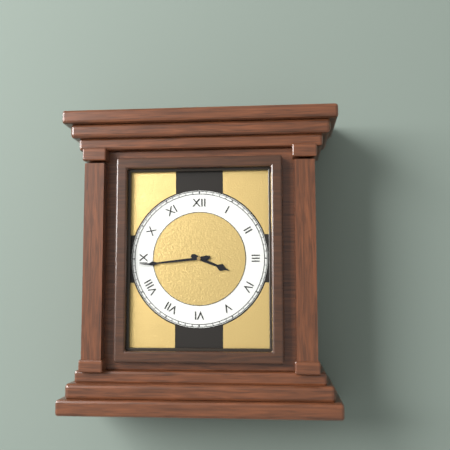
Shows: **3:44**
